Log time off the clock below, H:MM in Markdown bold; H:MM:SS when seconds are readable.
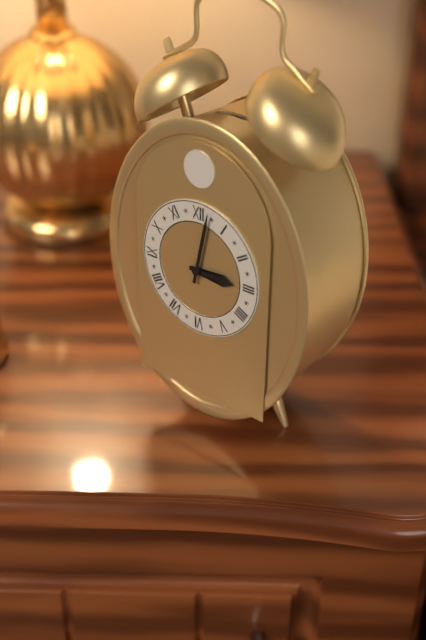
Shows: **3:02**
